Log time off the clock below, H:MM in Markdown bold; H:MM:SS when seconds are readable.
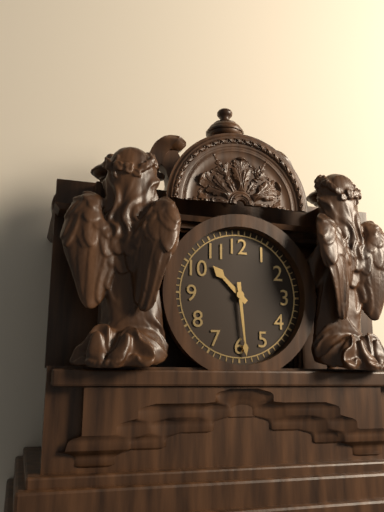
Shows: **10:29**
